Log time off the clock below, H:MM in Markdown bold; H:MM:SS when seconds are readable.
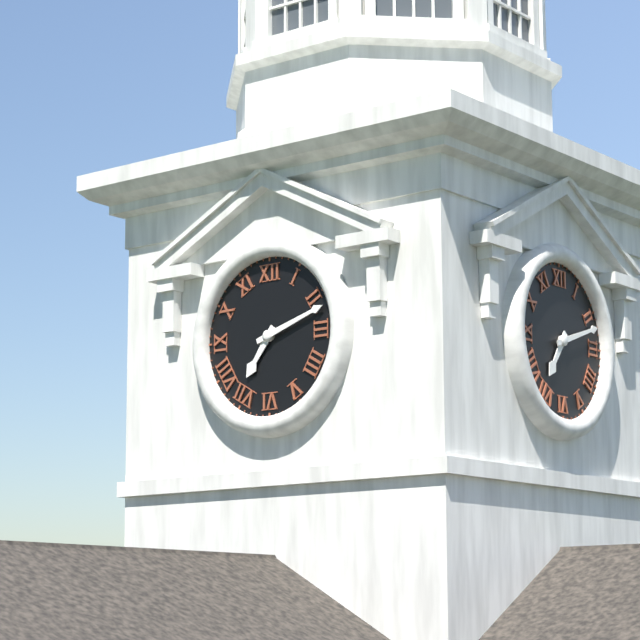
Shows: **7:12**
